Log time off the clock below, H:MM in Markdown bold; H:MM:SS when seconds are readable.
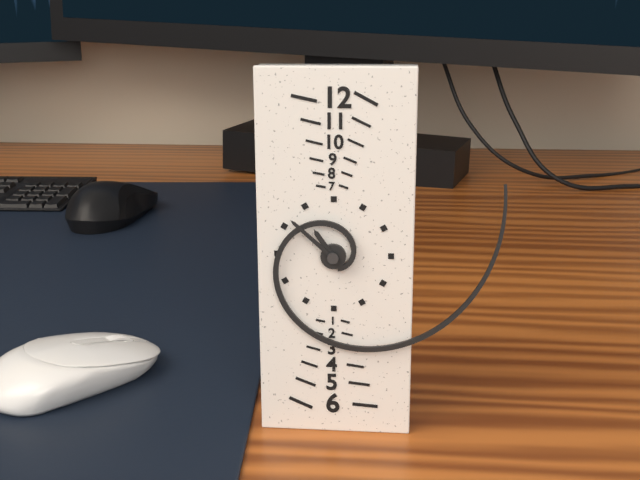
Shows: **10:52**
